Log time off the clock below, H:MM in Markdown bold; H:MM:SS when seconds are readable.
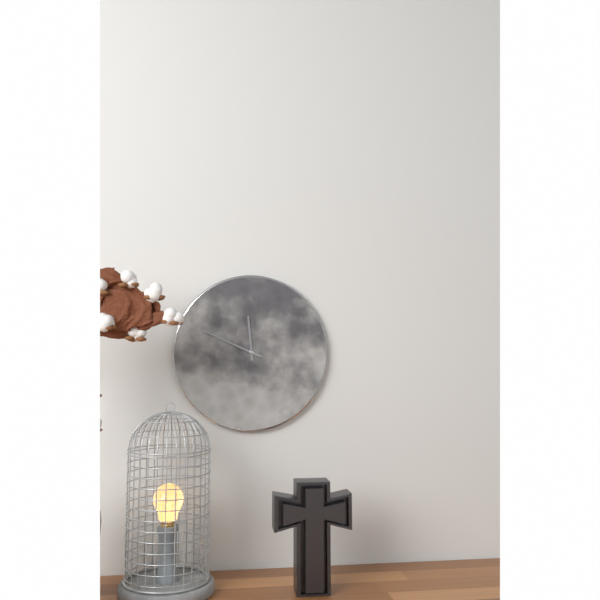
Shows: **11:49**
